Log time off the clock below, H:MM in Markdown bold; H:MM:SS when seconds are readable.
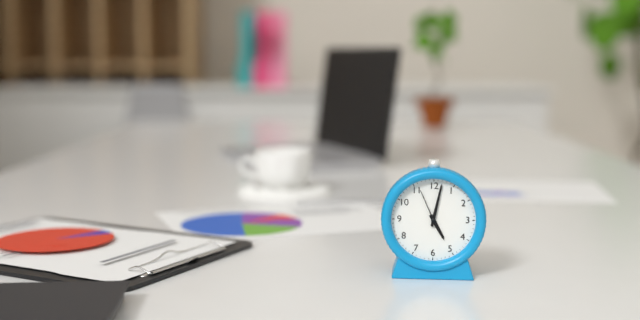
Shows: **5:02**
